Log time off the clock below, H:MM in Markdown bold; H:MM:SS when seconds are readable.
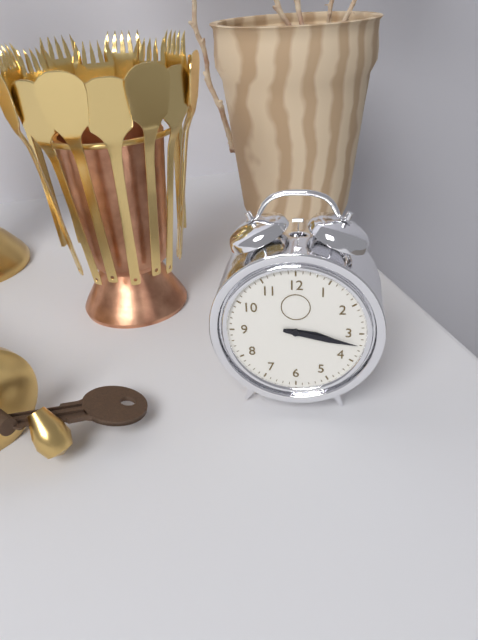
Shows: **3:17**
